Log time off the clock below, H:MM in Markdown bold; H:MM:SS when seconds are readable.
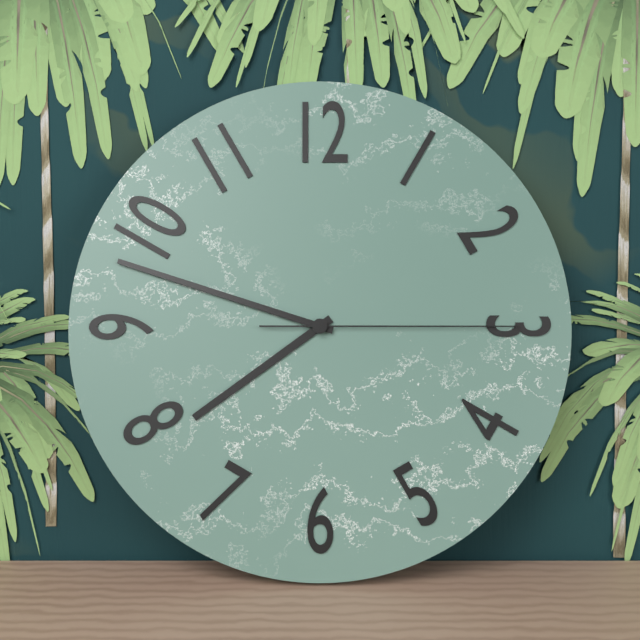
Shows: **7:48:15**
